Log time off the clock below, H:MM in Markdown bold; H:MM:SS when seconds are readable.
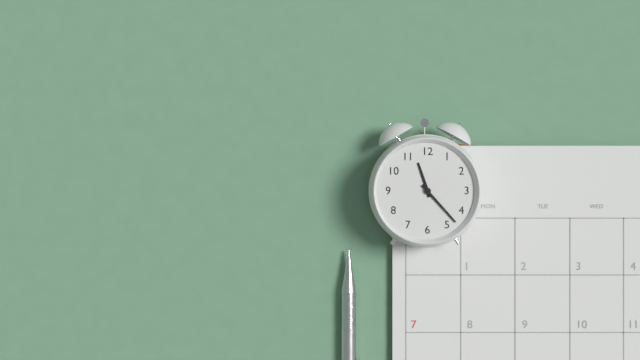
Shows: **11:23**
